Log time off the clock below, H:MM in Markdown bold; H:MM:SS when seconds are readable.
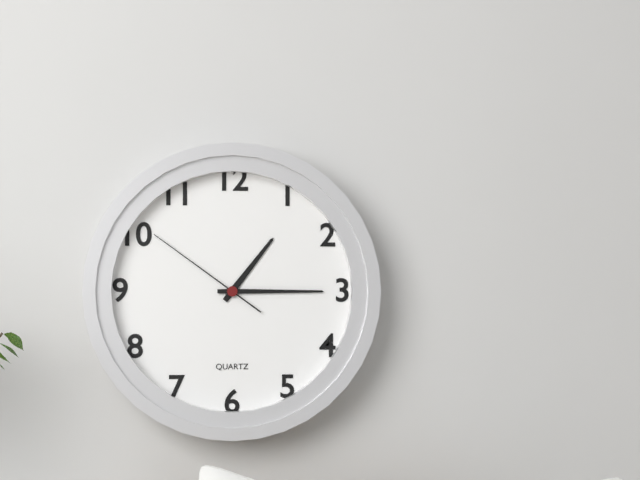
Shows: **1:15:51**
